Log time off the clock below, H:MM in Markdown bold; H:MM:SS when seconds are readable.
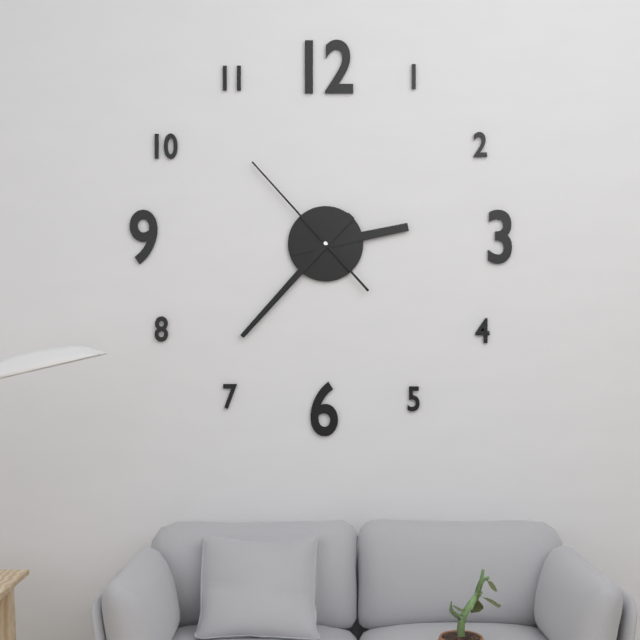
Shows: **2:37:53**
